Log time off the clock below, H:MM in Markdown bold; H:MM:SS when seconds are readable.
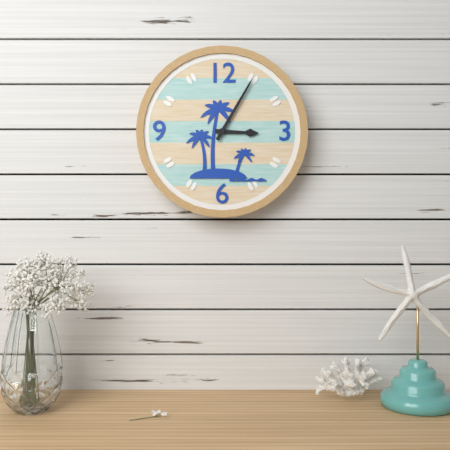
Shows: **3:05**
